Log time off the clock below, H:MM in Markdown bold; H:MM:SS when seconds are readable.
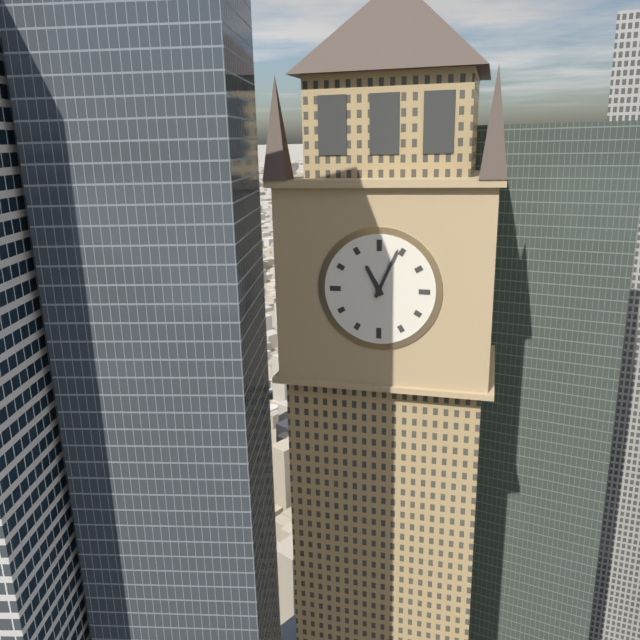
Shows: **11:04**
